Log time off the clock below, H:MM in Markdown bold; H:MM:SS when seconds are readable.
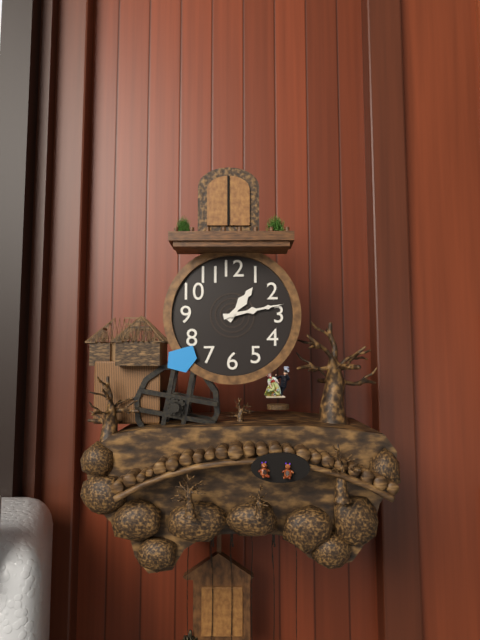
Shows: **1:13**
